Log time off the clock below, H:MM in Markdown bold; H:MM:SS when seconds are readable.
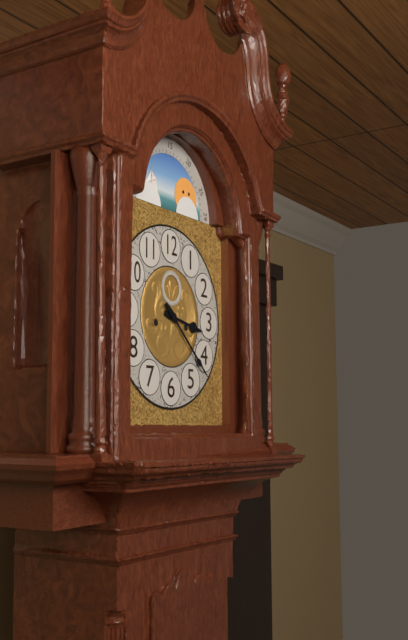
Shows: **3:22**
